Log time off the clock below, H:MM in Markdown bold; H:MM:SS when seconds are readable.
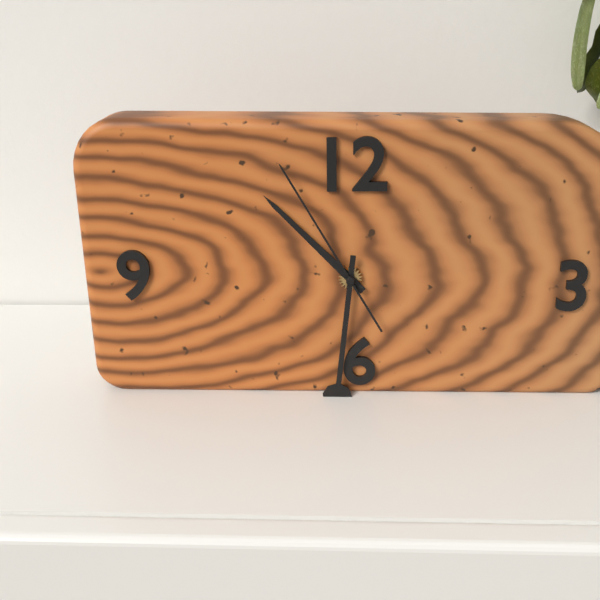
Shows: **10:31:55**
